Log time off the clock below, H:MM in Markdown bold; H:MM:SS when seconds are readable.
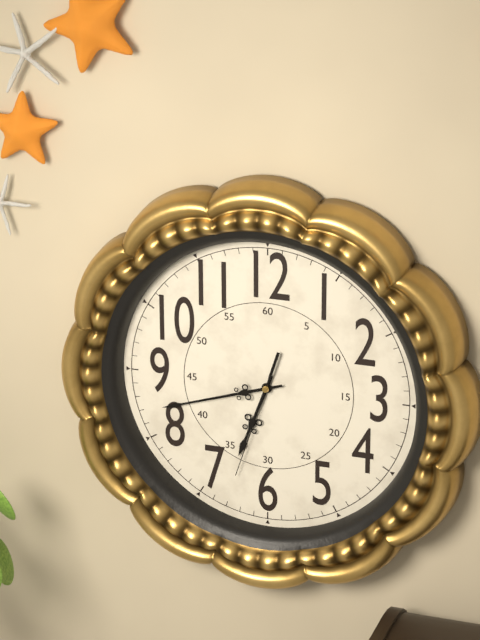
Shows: **6:42:33**
